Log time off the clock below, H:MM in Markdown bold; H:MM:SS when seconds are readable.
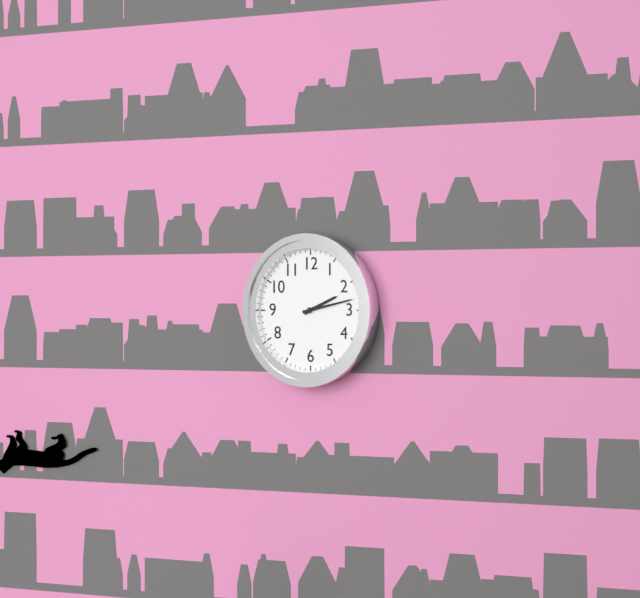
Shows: **2:13**
